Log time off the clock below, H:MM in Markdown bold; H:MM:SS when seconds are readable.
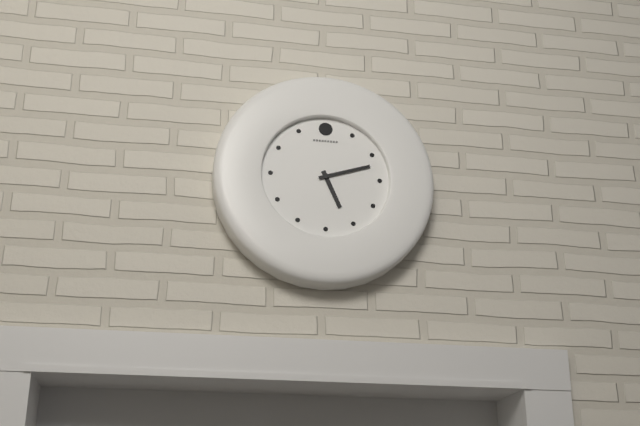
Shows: **5:12**
